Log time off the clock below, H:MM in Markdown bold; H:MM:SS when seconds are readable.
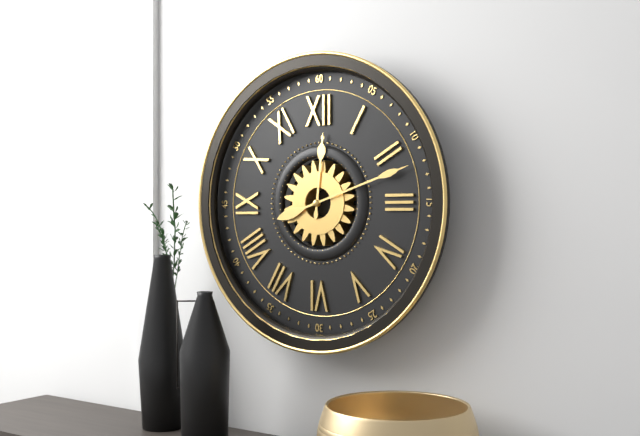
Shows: **12:12**
